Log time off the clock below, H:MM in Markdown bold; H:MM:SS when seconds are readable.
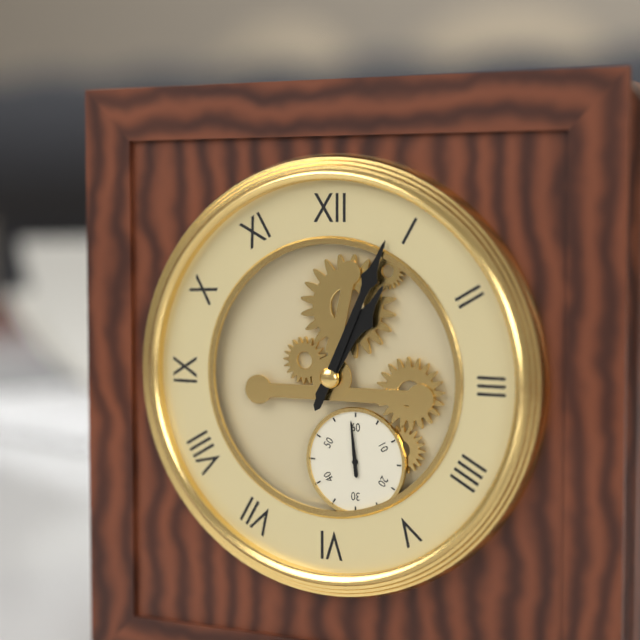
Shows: **1:04:59**
